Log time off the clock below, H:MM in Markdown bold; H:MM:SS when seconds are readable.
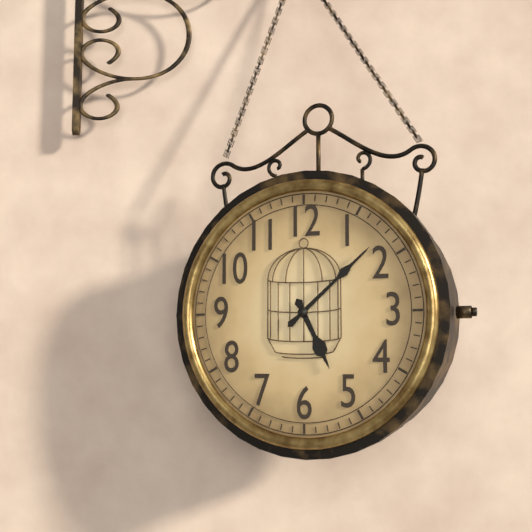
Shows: **5:08**
